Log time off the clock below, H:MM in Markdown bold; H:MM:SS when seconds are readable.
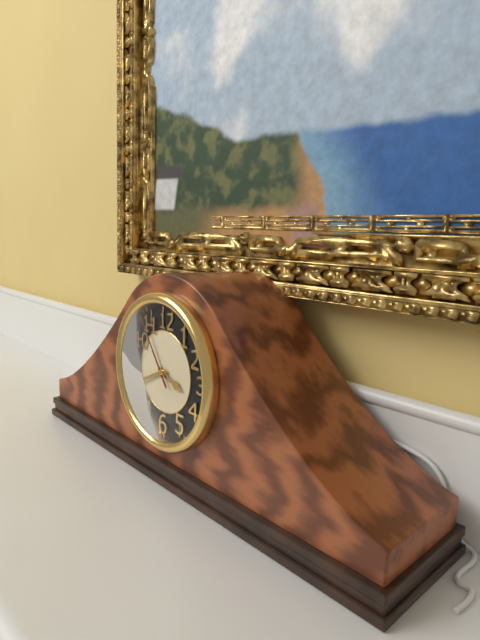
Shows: **3:41:54**
